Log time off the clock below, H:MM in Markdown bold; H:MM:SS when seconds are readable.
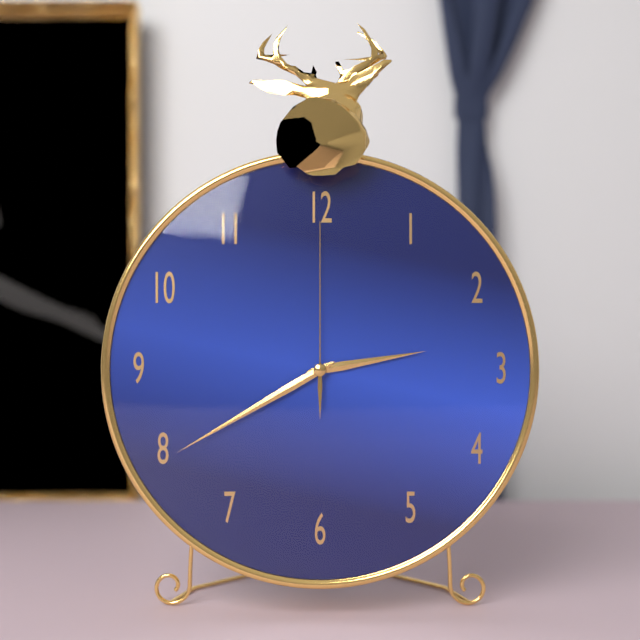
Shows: **2:40:00**
